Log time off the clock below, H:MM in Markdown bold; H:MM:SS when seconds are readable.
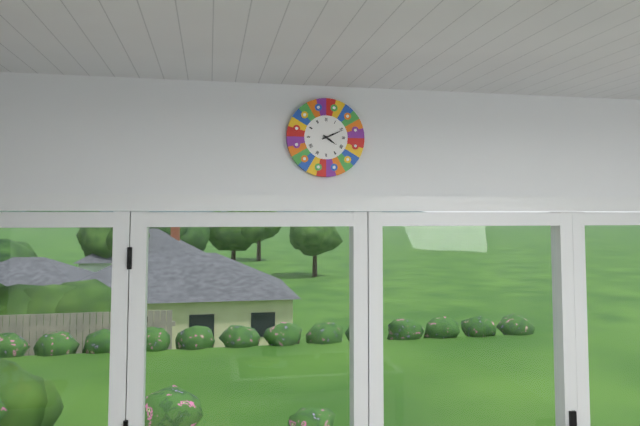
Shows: **4:11**
